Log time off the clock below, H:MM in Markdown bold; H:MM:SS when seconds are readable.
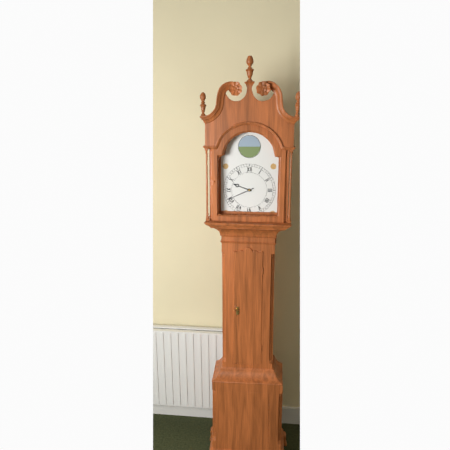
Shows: **9:41**
